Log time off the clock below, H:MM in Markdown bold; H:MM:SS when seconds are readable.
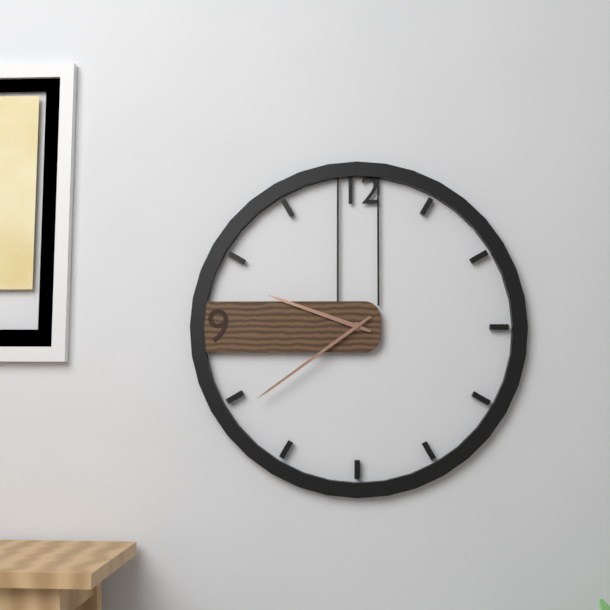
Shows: **9:39**
